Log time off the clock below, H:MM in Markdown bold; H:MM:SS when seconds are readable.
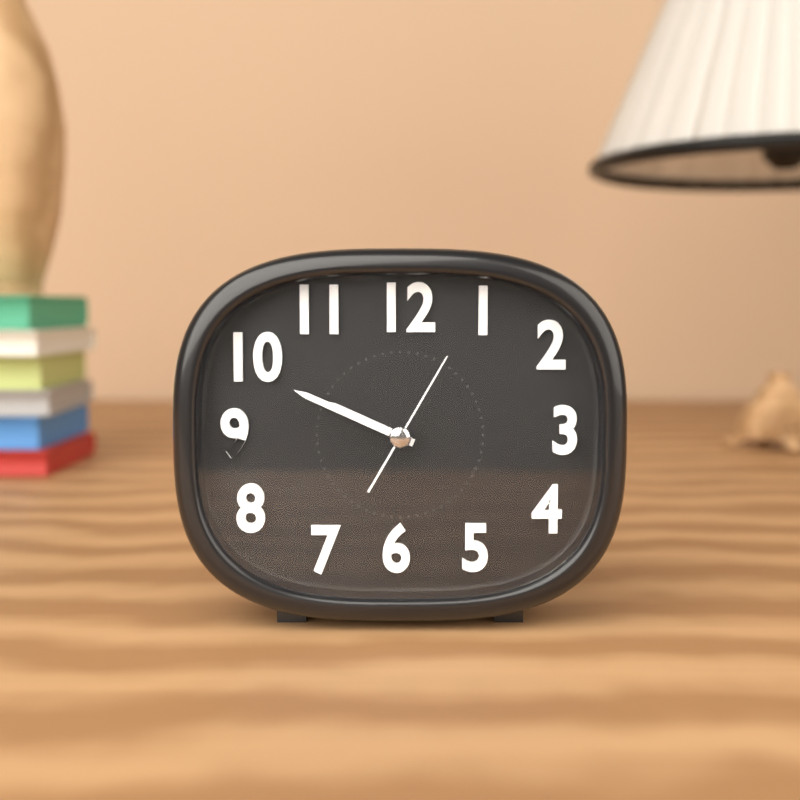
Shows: **9:49:05**
